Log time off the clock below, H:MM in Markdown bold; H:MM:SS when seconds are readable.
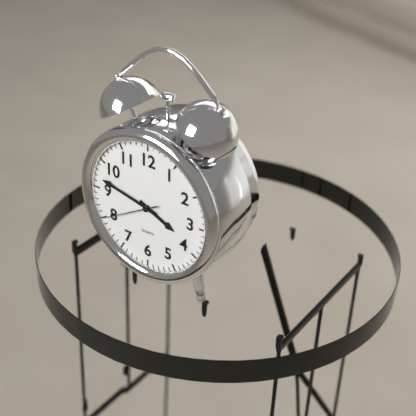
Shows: **3:47:40**
